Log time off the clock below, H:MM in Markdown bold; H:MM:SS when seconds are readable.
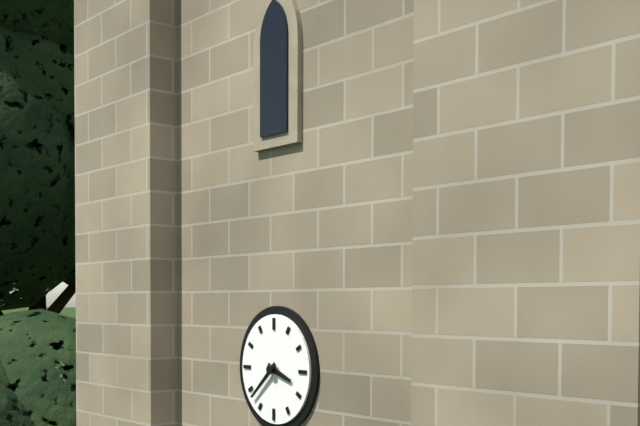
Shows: **3:38**
